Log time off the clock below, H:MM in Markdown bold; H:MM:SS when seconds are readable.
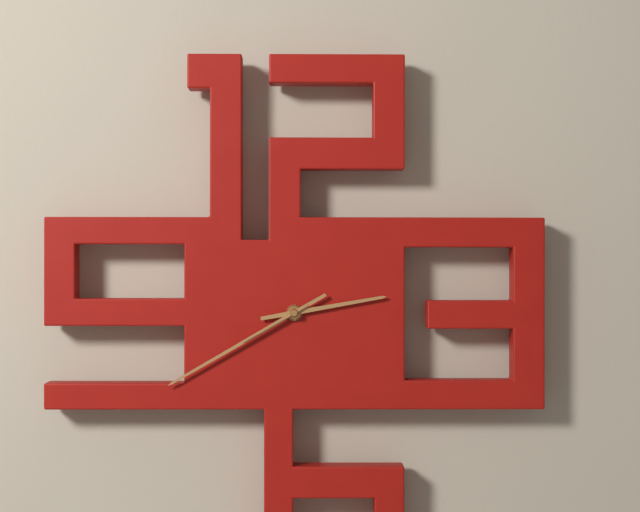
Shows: **2:40:40**
